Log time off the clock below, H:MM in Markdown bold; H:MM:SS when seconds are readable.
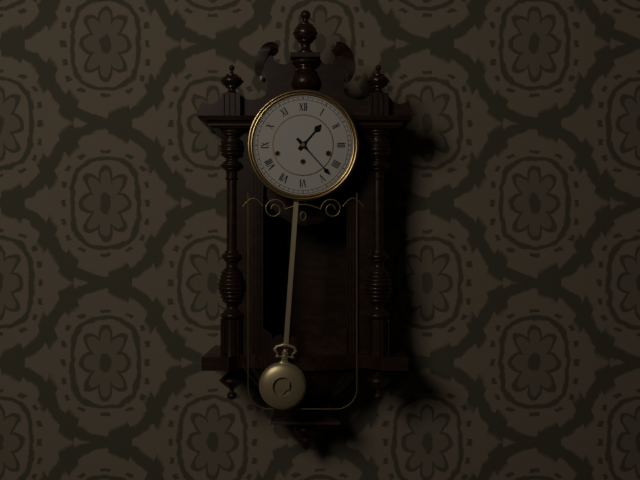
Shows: **1:23**
